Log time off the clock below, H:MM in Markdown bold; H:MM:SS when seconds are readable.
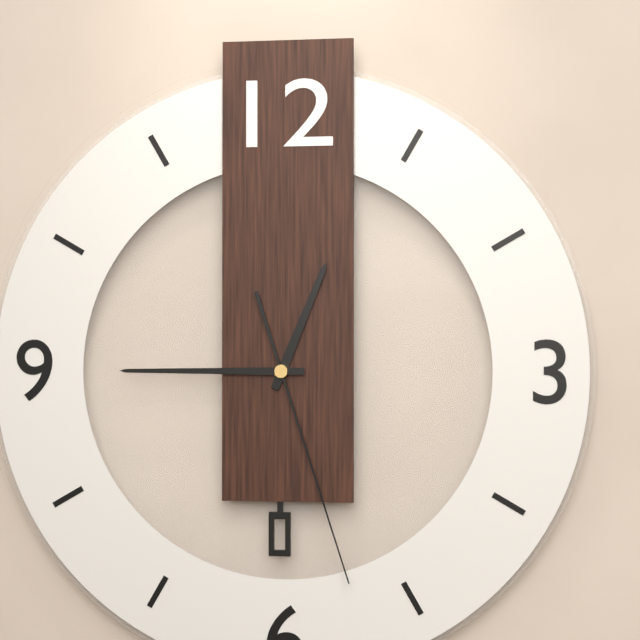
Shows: **12:45:27**
